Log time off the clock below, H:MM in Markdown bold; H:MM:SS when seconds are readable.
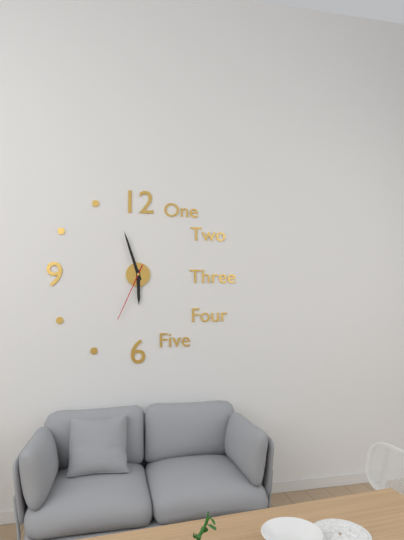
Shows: **5:57:34**
